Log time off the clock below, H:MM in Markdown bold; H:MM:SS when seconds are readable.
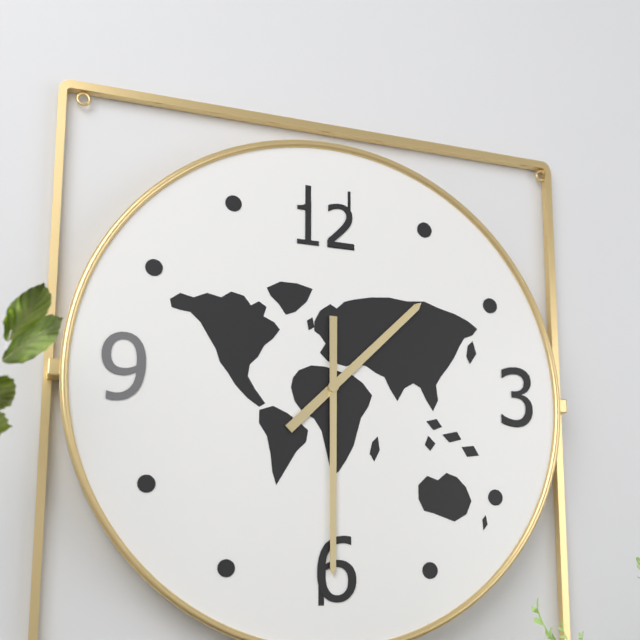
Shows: **1:30**
